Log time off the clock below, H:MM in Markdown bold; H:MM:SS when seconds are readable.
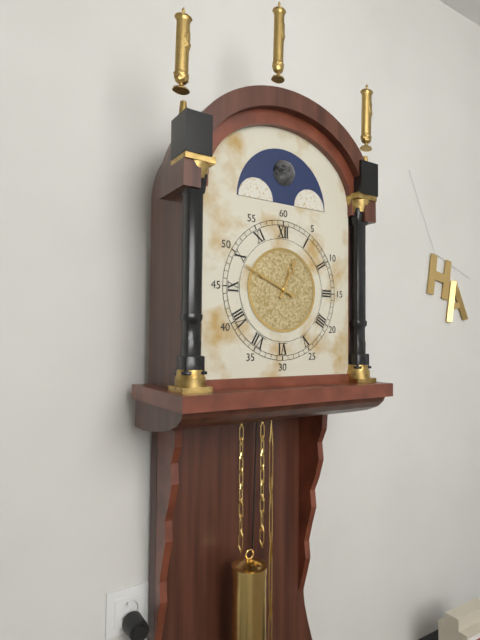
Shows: **12:49**
